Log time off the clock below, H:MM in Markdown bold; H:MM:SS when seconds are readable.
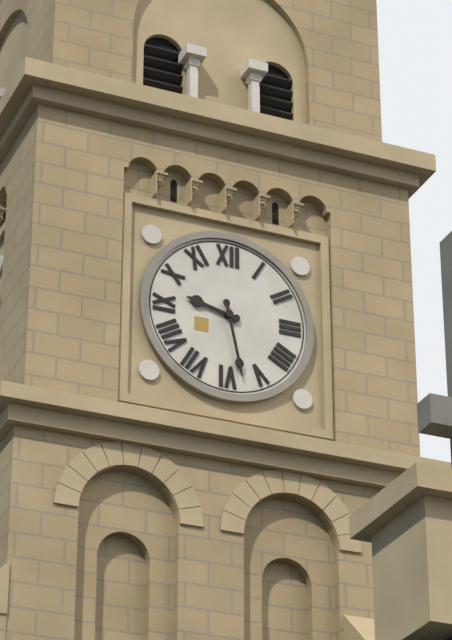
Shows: **9:28**
